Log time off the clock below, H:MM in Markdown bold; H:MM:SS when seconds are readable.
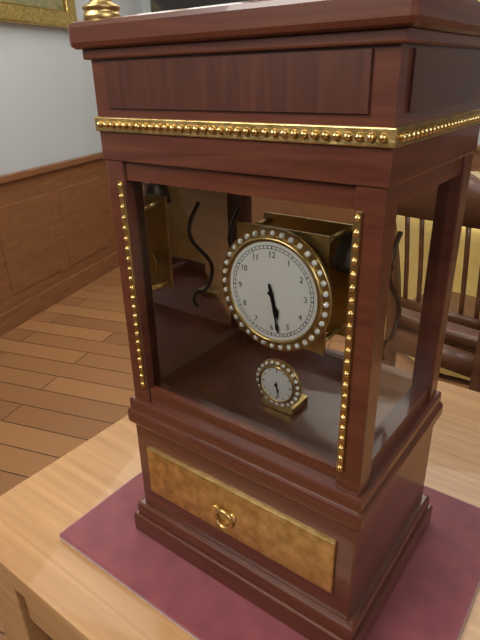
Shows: **5:28**
